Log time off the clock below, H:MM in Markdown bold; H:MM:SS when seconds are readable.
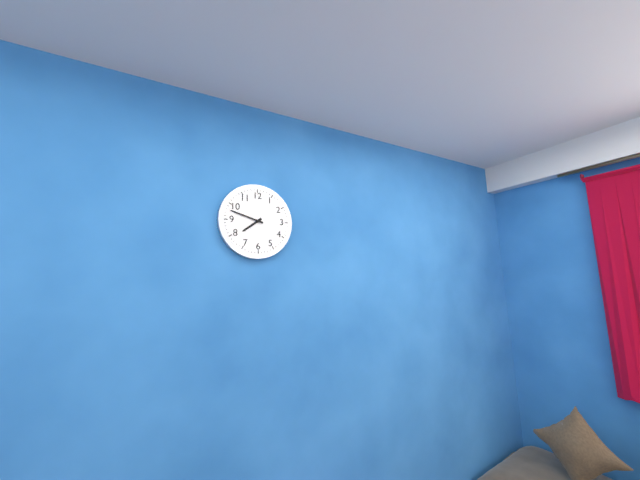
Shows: **7:48**
